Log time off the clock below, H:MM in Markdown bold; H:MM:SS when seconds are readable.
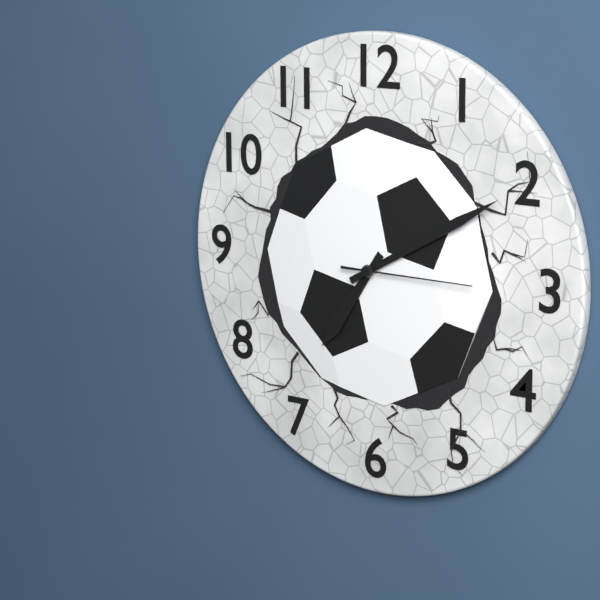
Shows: **7:10:15**
